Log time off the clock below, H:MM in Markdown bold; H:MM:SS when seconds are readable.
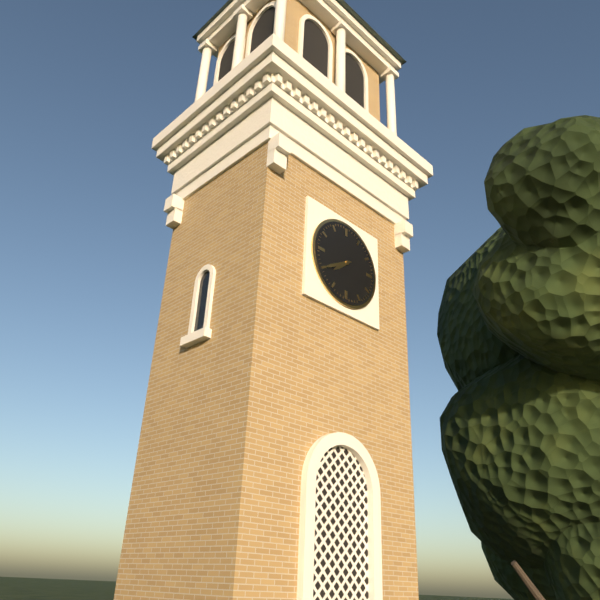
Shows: **7:40**
